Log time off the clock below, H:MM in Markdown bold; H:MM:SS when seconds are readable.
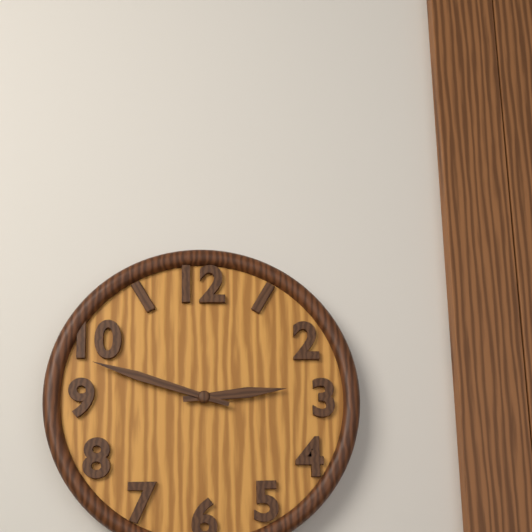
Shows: **2:48**
